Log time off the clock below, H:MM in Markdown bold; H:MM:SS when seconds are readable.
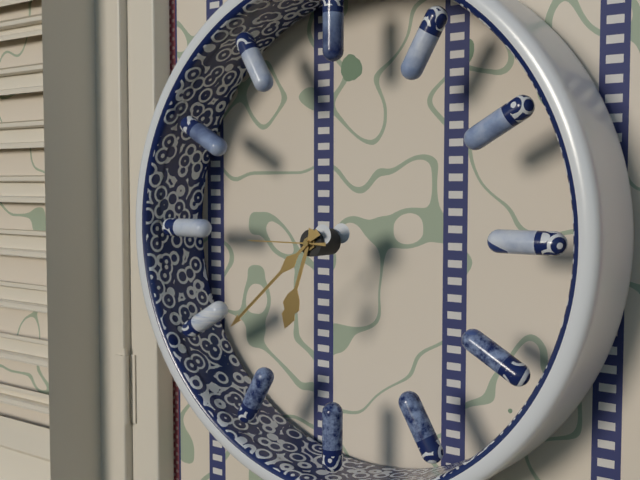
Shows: **6:38:45**
